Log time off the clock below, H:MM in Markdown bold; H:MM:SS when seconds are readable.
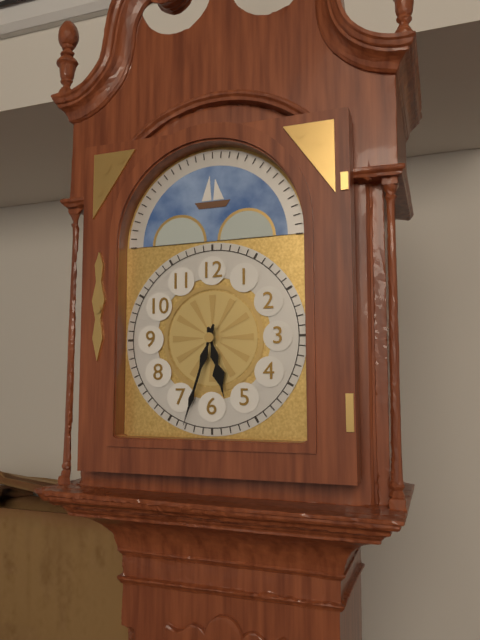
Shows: **5:33**
